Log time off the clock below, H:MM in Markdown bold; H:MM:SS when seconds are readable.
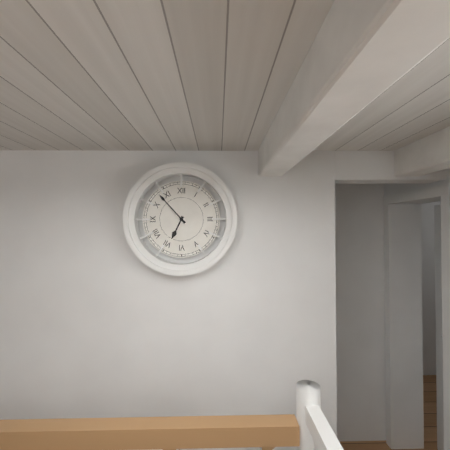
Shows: **6:53**
